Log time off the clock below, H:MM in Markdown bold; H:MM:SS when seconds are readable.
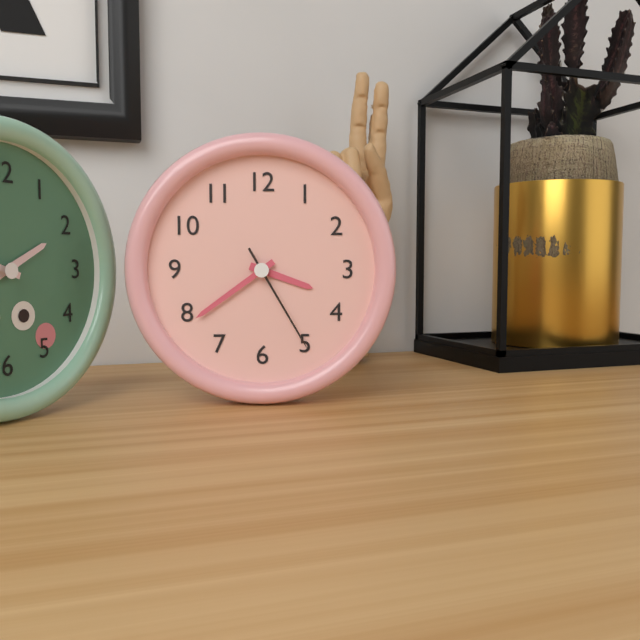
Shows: **3:39:25**
